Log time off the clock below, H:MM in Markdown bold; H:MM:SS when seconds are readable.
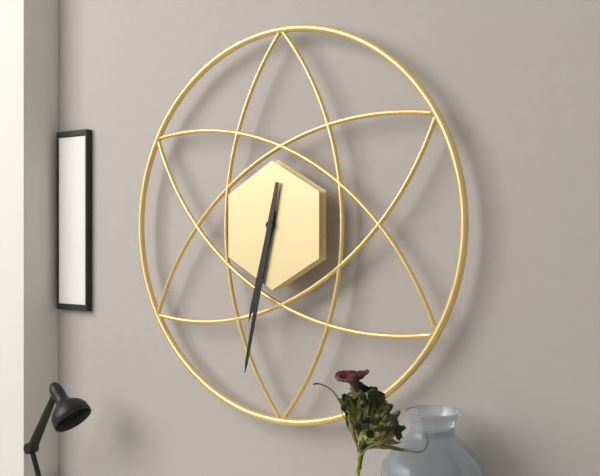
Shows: **6:32**
